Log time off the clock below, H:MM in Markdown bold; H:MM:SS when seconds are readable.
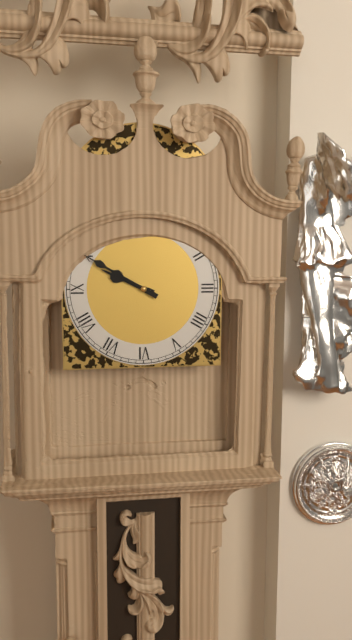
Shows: **9:50**
